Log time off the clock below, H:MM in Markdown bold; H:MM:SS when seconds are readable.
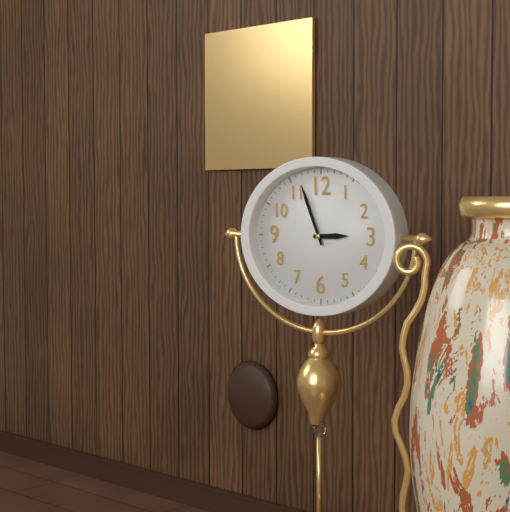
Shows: **2:56**
